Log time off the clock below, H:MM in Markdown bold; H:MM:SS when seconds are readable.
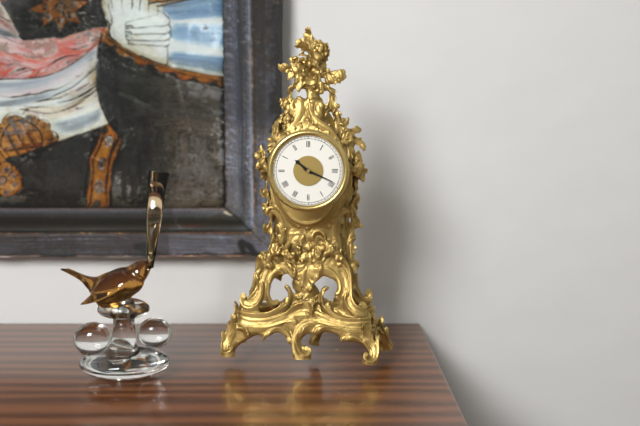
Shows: **10:19**
